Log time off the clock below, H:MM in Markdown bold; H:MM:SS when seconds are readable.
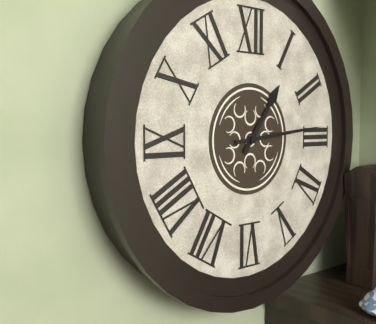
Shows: **1:14**
